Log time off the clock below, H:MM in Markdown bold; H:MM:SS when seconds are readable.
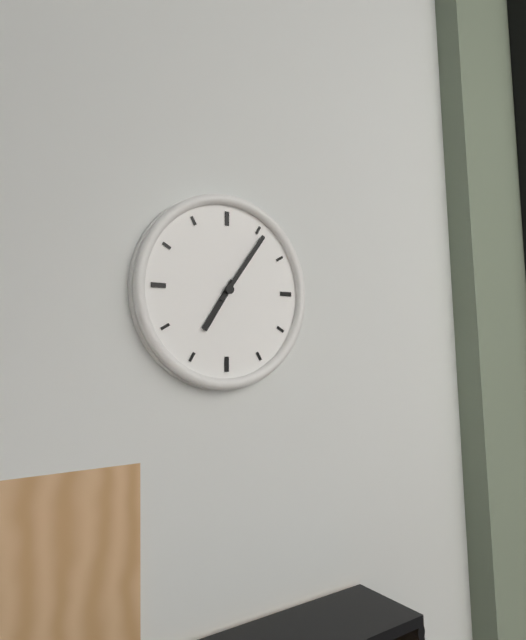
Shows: **7:06**
